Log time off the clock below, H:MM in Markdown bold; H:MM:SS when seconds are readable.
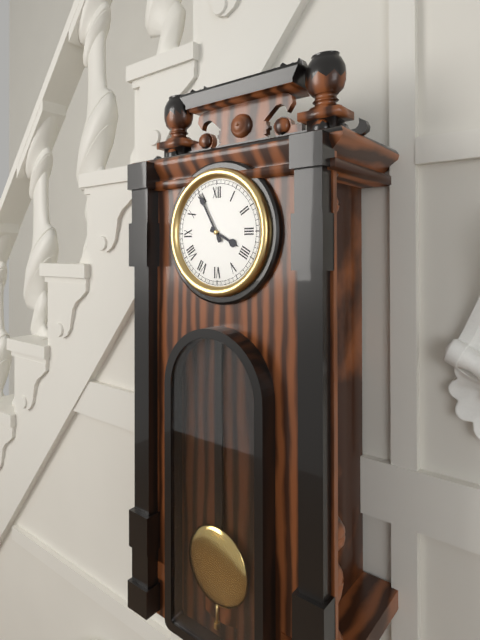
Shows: **3:55**
